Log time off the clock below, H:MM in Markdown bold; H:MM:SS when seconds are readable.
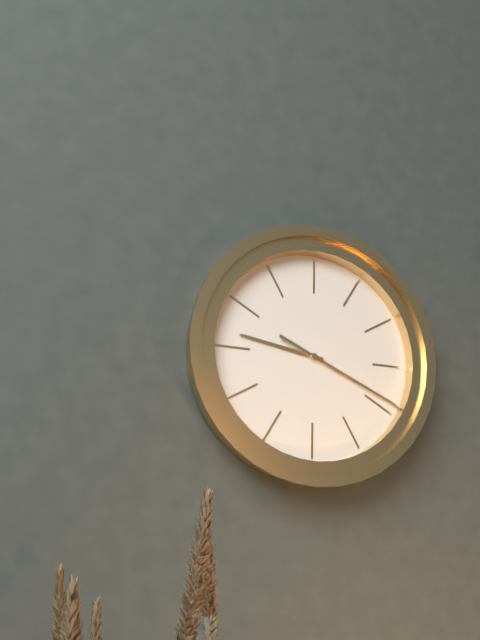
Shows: **9:19:19**
